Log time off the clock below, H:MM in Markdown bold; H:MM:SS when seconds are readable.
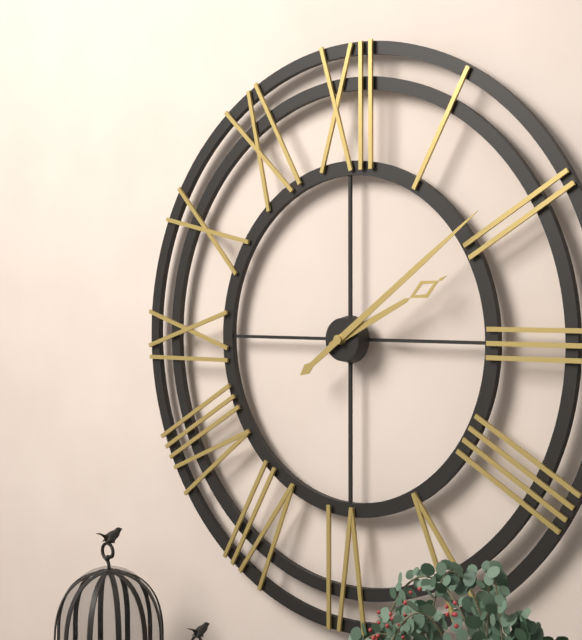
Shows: **2:09**
